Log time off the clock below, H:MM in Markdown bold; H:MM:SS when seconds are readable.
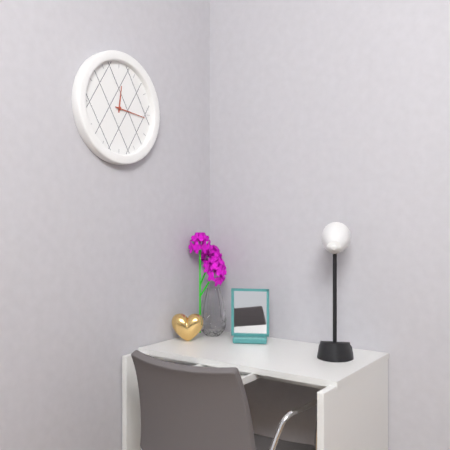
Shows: **12:16**
